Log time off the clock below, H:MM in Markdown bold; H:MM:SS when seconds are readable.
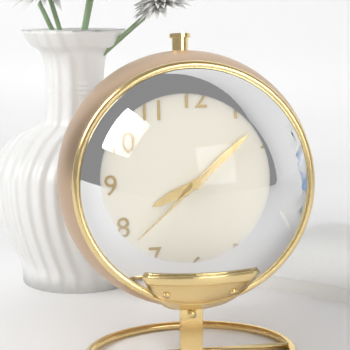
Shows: **8:08:38**
